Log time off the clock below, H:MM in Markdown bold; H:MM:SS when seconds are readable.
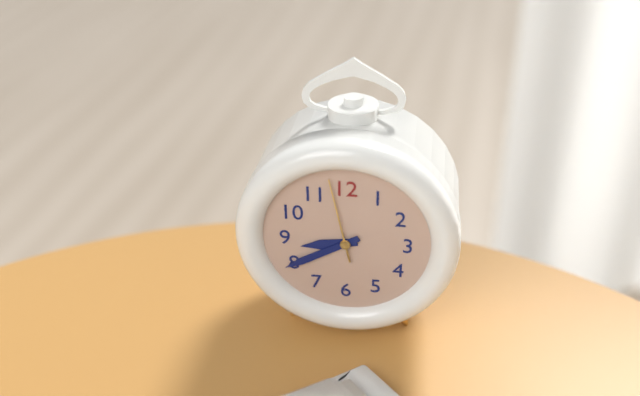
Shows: **8:40:58**
